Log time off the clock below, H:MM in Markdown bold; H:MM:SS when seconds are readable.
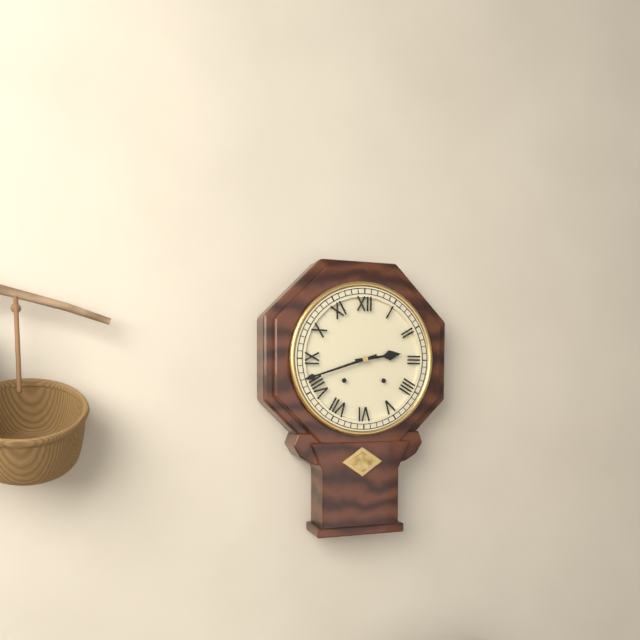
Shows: **2:42**
